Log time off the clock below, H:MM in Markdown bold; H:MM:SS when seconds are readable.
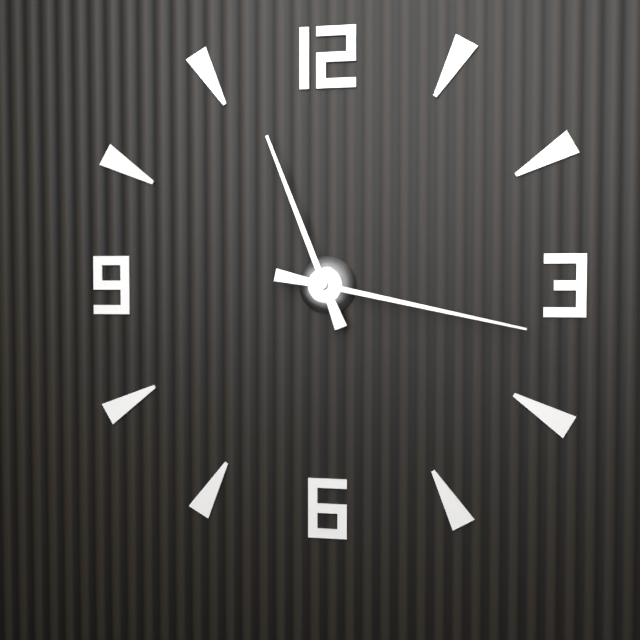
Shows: **11:17**
